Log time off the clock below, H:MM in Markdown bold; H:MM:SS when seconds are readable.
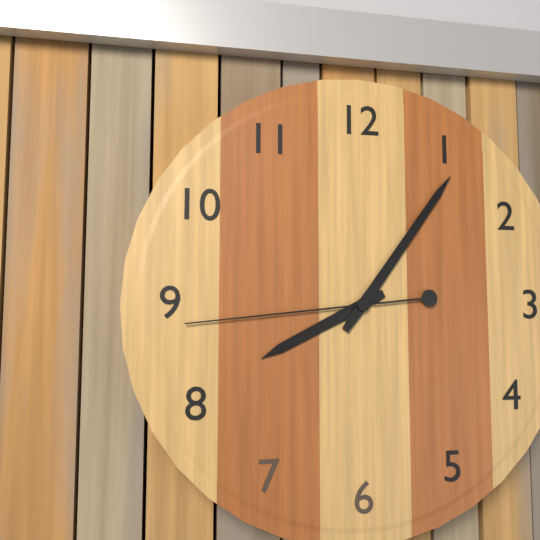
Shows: **8:06:44**
